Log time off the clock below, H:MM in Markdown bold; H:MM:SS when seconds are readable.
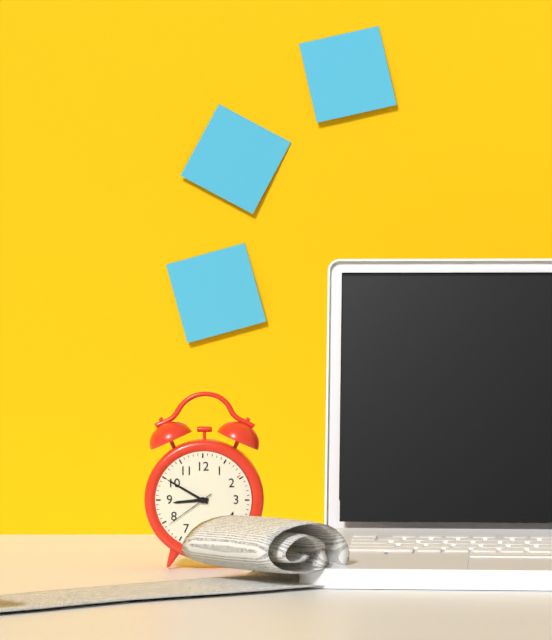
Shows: **8:50:39**
